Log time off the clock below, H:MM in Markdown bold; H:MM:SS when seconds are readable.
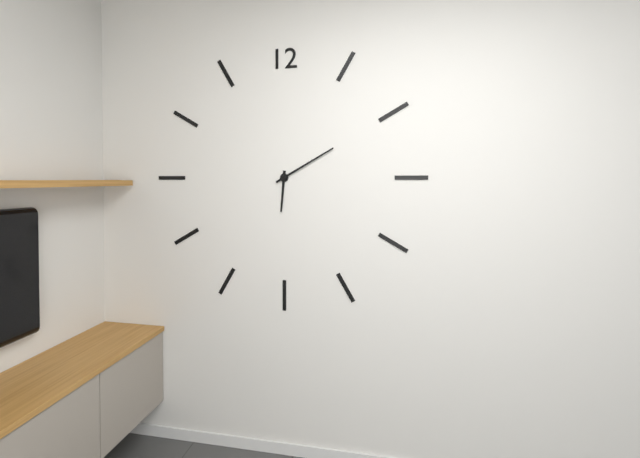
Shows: **6:10**
